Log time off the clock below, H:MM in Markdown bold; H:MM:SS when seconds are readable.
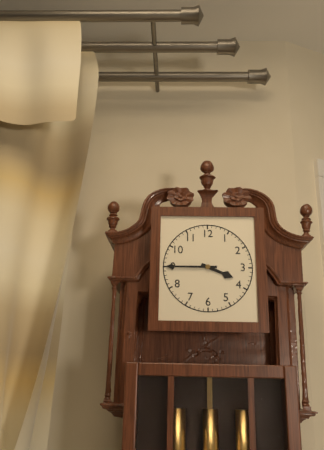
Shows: **3:45**
